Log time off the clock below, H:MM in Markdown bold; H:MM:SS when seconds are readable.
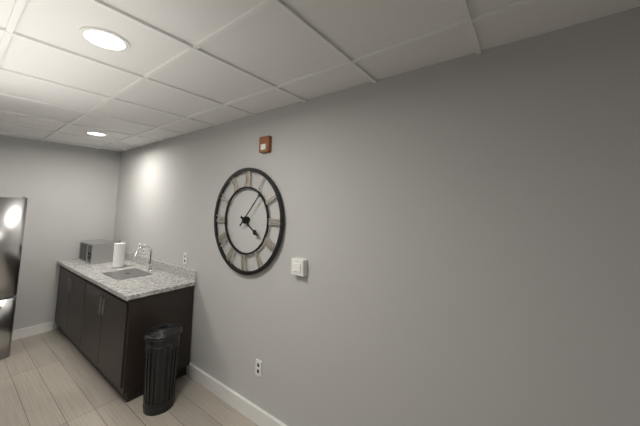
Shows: **4:07**
